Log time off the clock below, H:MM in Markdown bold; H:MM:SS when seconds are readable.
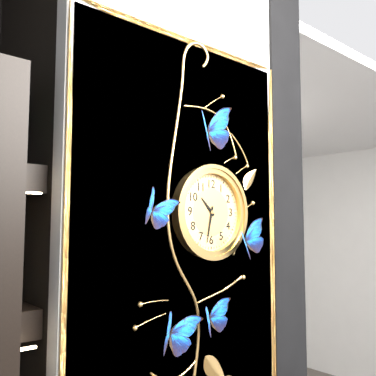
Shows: **10:32**
